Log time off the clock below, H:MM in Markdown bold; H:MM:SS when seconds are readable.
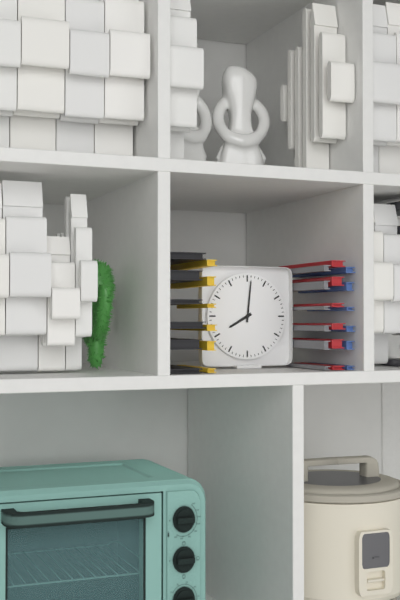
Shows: **8:01**
